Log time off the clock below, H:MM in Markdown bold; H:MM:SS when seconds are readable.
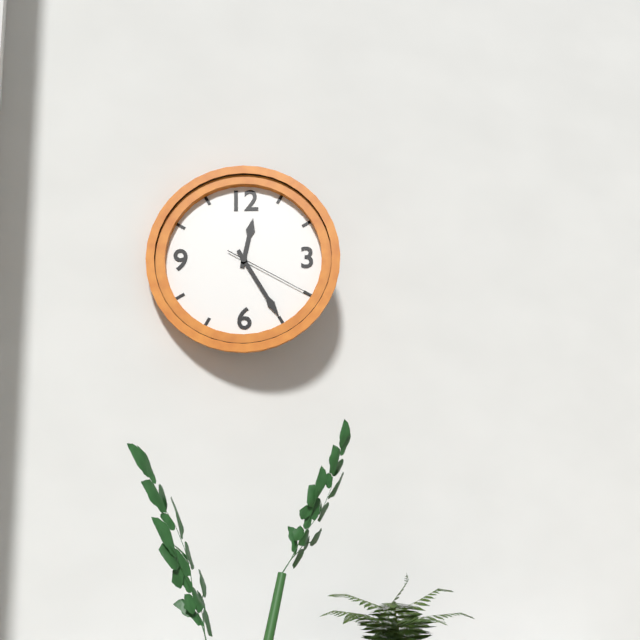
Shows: **12:25:20**
